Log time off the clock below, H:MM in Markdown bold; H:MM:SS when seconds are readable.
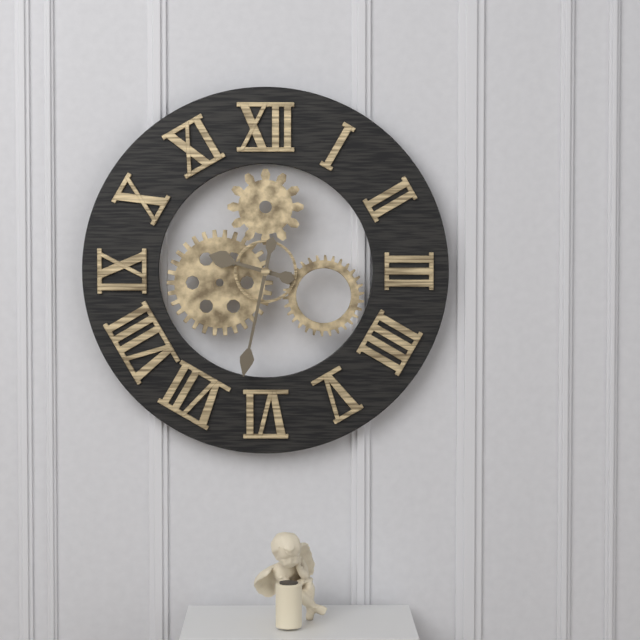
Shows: **9:32**
